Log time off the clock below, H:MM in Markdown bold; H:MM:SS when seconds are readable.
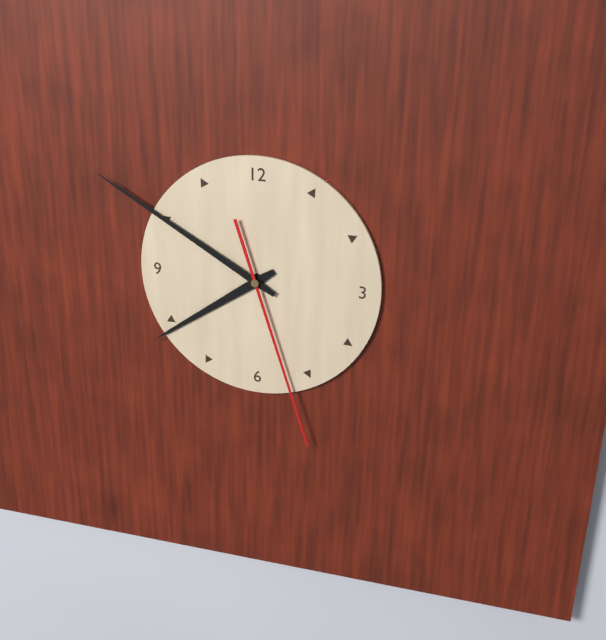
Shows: **7:50:27**
